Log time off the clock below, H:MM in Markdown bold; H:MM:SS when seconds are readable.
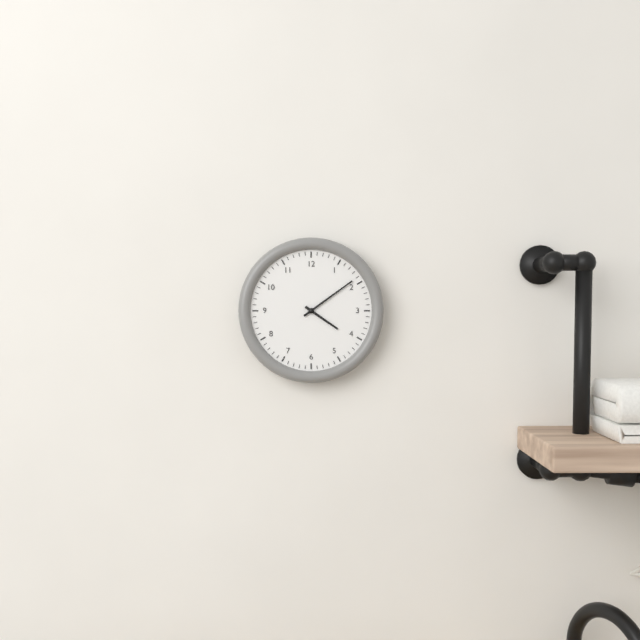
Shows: **4:09**
